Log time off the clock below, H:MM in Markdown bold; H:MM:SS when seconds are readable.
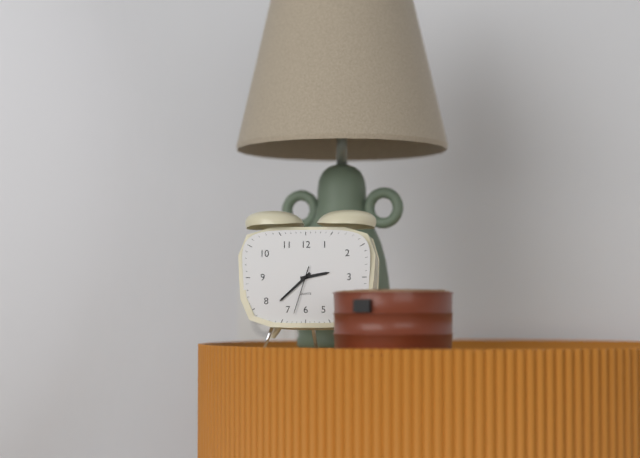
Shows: **2:38**
